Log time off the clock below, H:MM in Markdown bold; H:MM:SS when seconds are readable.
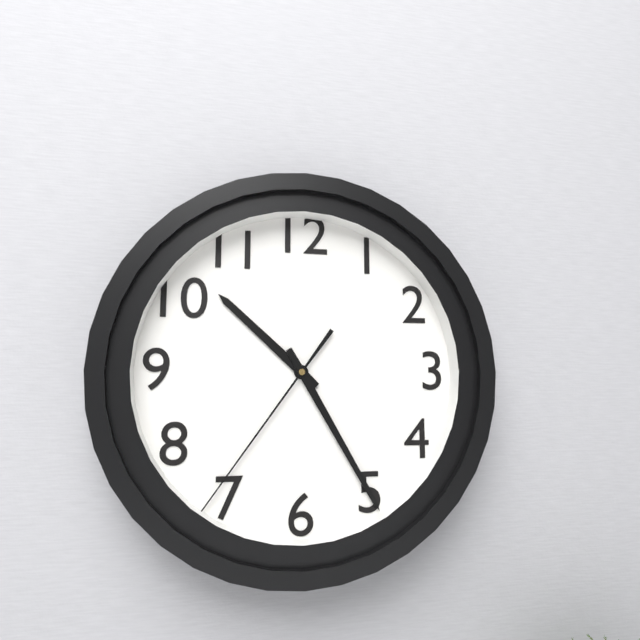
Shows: **10:25:36**
